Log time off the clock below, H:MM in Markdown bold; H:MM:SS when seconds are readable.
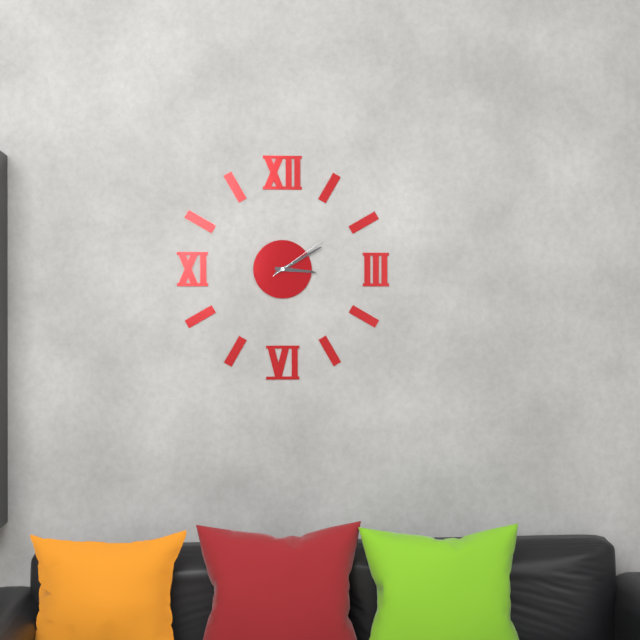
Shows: **3:10:09**
